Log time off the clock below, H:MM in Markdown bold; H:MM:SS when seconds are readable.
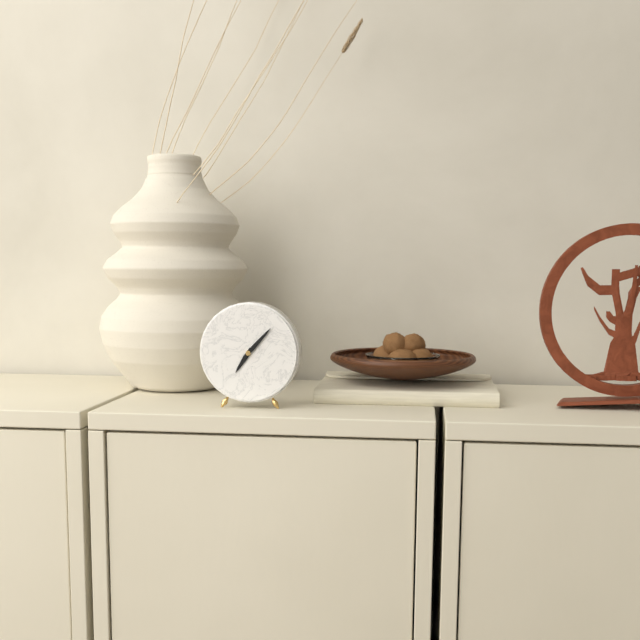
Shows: **7:07**
